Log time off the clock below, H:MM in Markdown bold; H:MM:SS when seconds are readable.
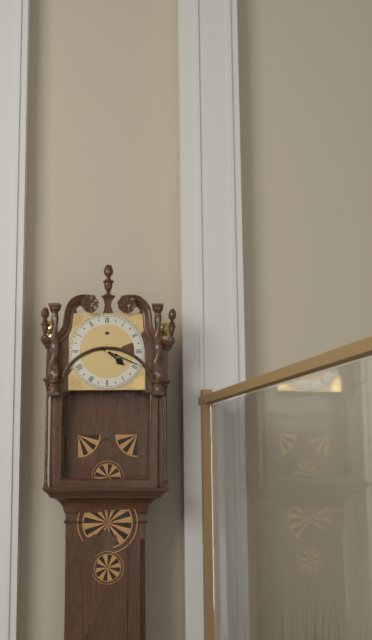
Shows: **4:19**
